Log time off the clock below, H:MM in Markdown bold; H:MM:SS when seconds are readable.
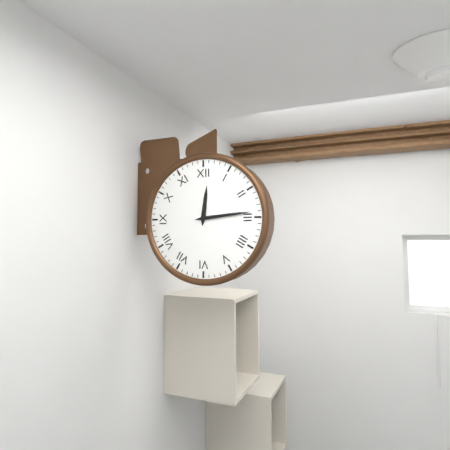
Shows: **12:14**
